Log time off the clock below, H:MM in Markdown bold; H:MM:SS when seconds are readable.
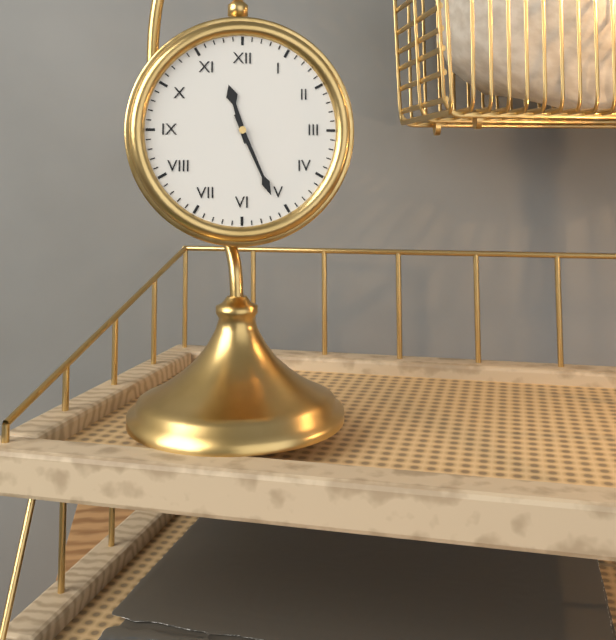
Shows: **11:26**
